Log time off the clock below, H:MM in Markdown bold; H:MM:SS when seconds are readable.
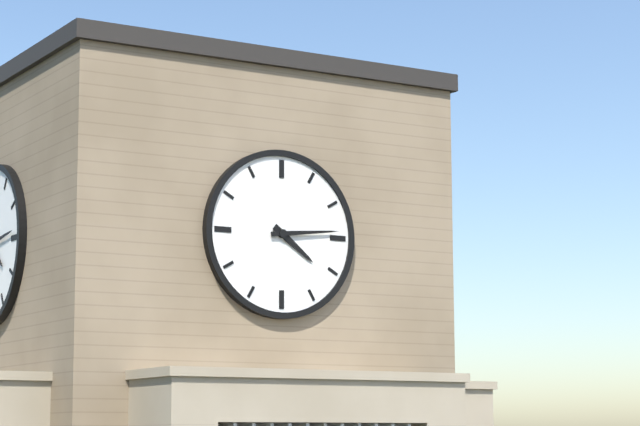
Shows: **4:14**
